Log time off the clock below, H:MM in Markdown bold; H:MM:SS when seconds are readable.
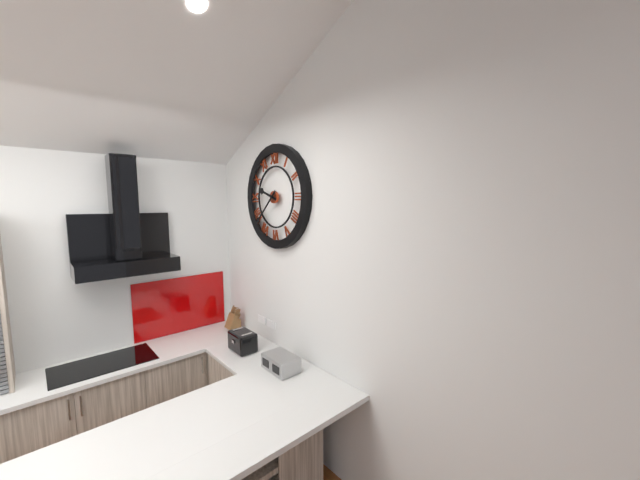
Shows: **9:38**
